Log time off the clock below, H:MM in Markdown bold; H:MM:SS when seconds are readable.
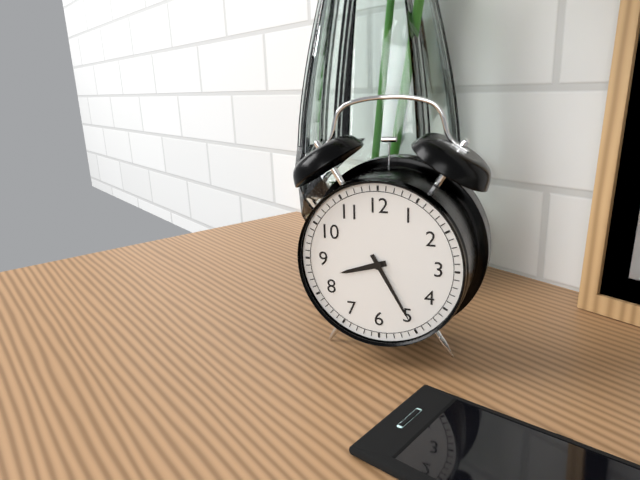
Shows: **8:25**
